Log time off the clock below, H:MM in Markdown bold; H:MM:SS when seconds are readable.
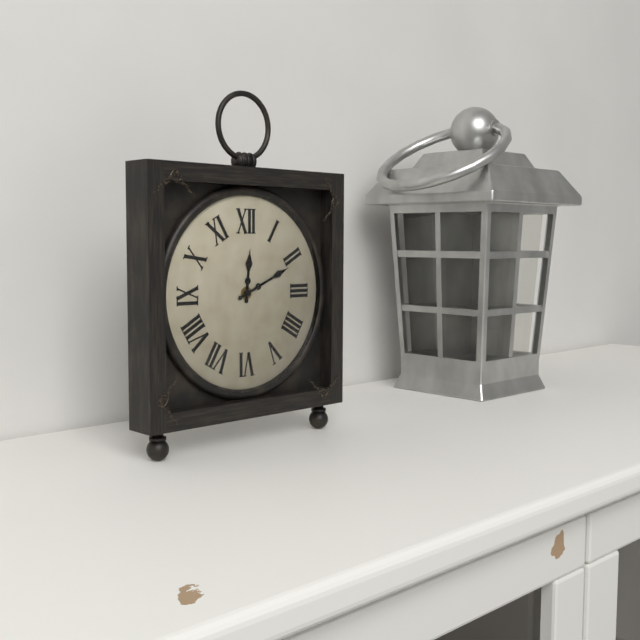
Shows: **12:11**
